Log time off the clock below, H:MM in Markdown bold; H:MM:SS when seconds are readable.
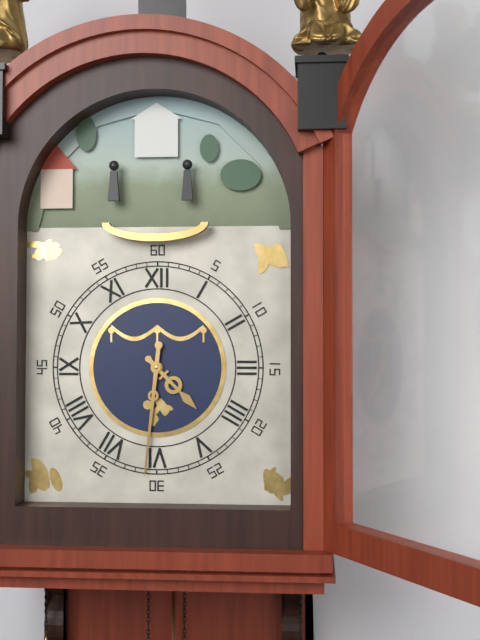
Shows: **4:31**
